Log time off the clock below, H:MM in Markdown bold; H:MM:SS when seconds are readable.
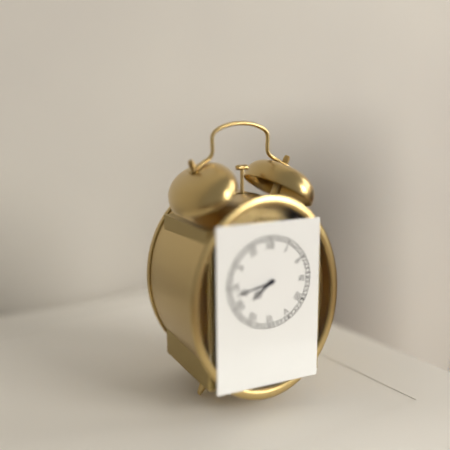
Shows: **7:43**
